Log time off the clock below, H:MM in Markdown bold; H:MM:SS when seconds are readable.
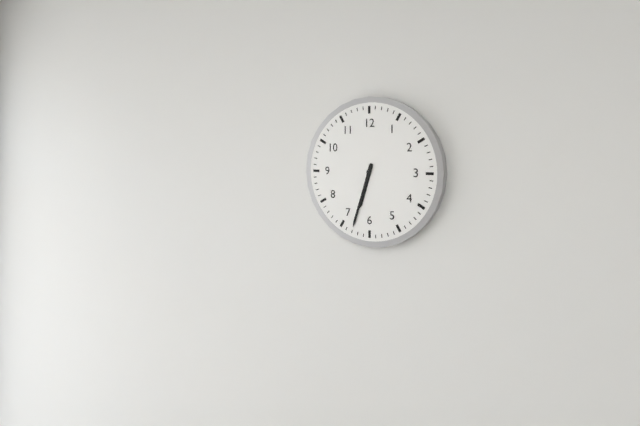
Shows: **6:33**
